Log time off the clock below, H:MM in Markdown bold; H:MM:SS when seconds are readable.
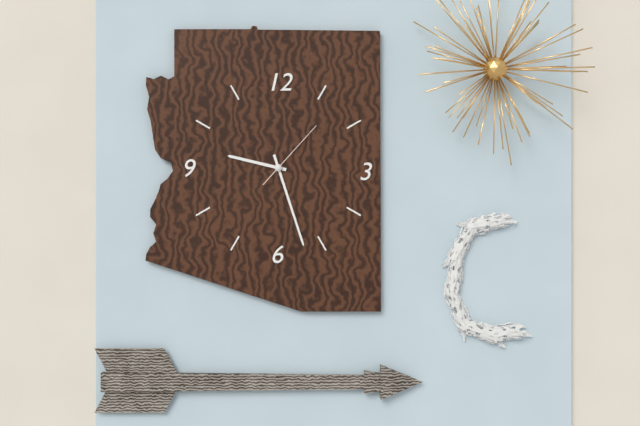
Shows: **9:27:07**
